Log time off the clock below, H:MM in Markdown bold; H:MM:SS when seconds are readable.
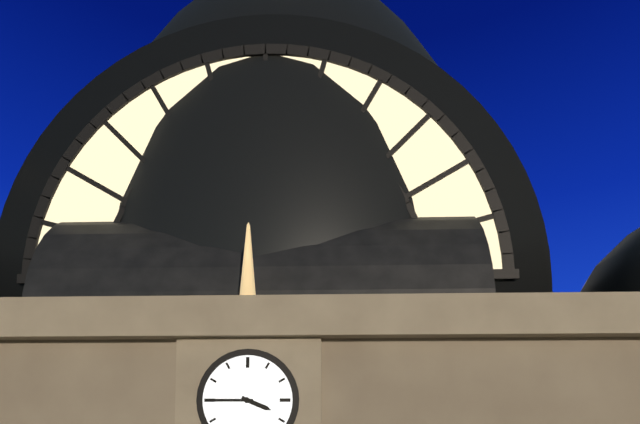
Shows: **3:45**
